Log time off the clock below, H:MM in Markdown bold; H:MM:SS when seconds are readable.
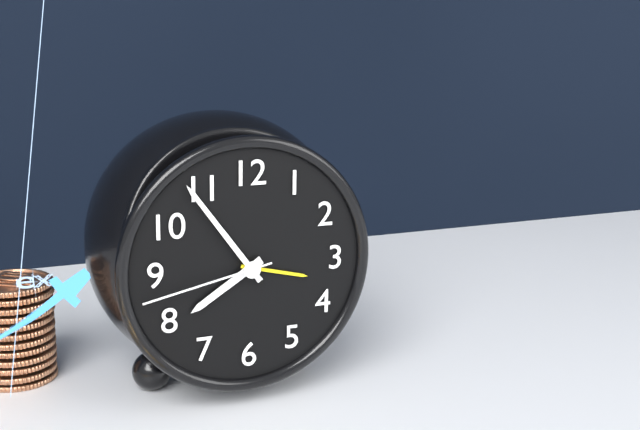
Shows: **7:54:43**
